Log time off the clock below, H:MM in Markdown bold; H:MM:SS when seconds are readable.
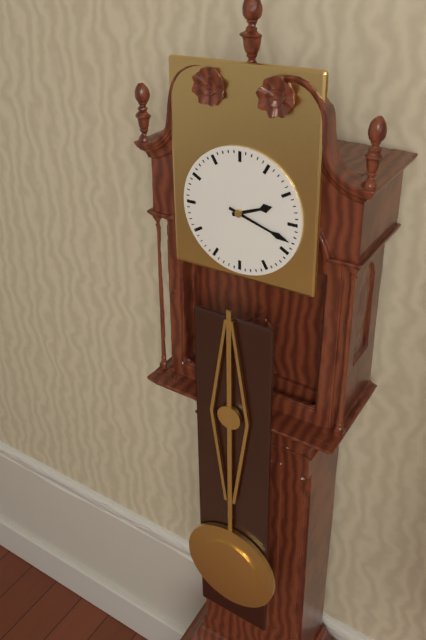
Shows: **2:18**
